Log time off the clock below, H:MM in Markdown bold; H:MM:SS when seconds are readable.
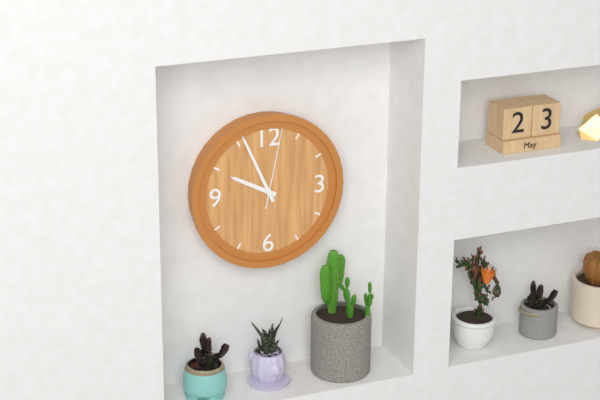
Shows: **9:56:02**
